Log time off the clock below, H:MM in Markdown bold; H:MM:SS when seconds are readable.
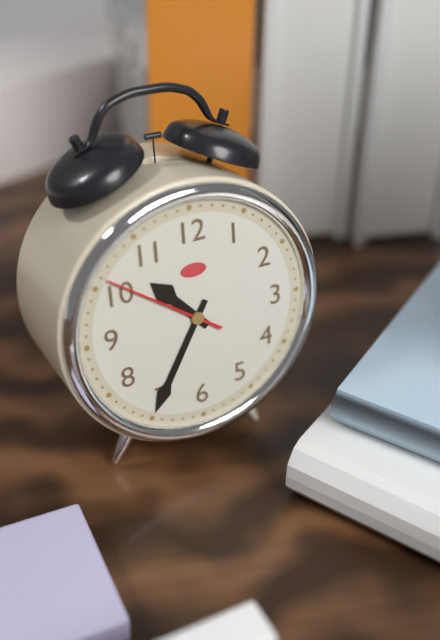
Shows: **10:35:51**
